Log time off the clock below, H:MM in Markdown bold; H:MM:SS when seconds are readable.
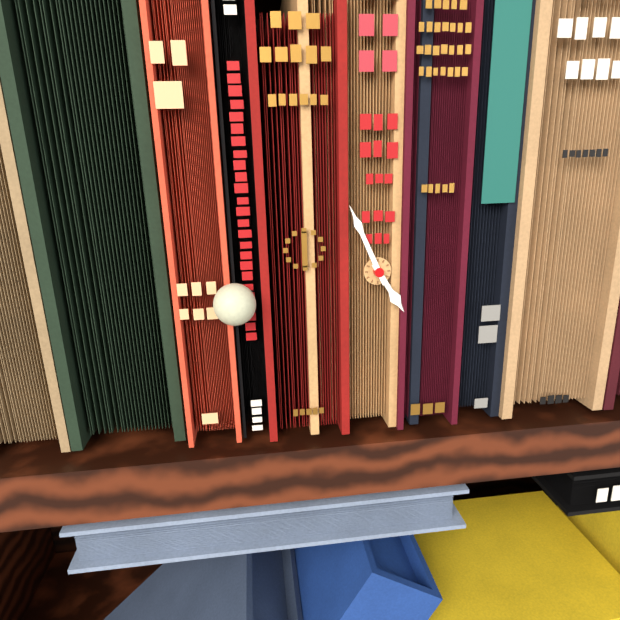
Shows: **4:56**
